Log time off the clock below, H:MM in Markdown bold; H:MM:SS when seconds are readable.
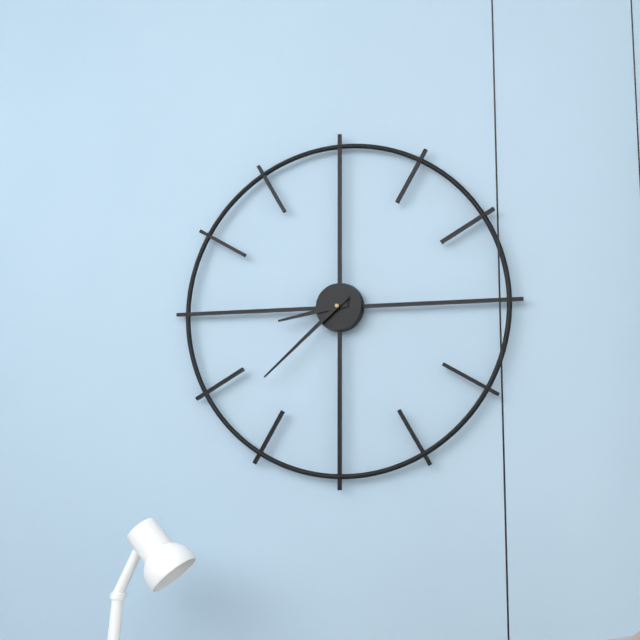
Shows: **8:38**
